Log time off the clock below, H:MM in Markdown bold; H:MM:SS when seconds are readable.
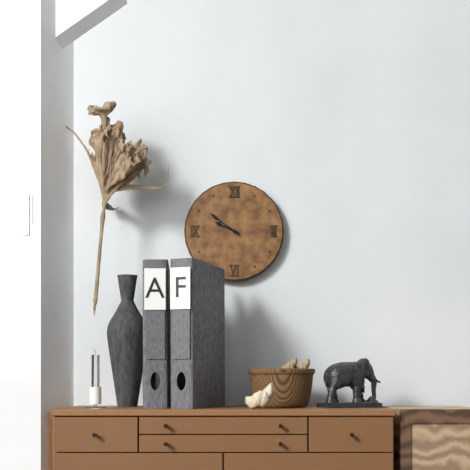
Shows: **9:51**
